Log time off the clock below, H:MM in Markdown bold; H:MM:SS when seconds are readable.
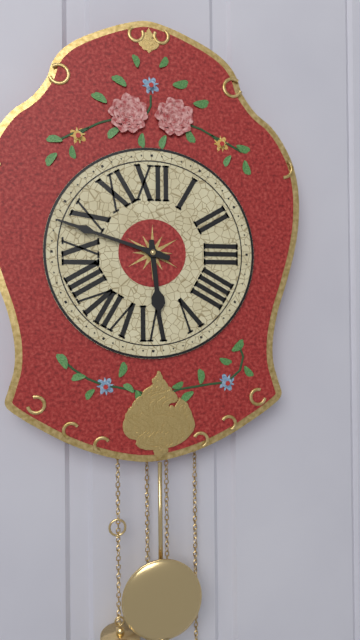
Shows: **5:48**
